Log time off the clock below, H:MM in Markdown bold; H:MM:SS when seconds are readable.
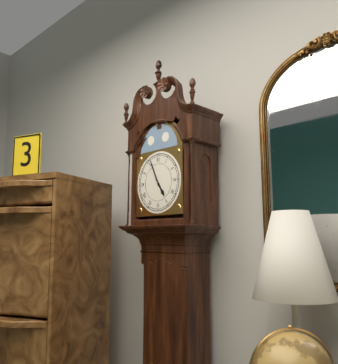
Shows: **4:56**
